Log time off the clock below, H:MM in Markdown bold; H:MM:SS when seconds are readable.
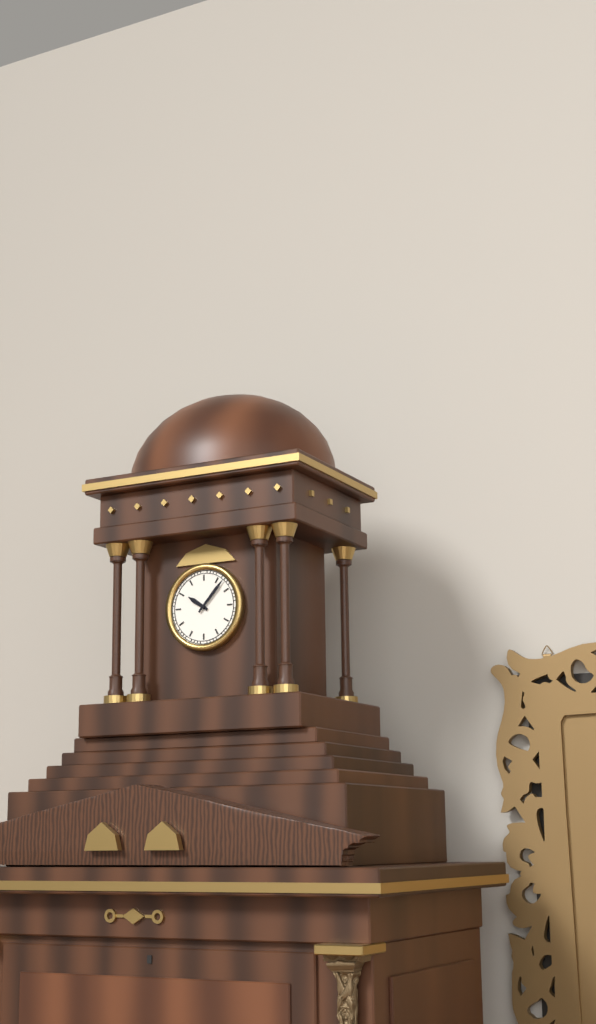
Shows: **10:07**
